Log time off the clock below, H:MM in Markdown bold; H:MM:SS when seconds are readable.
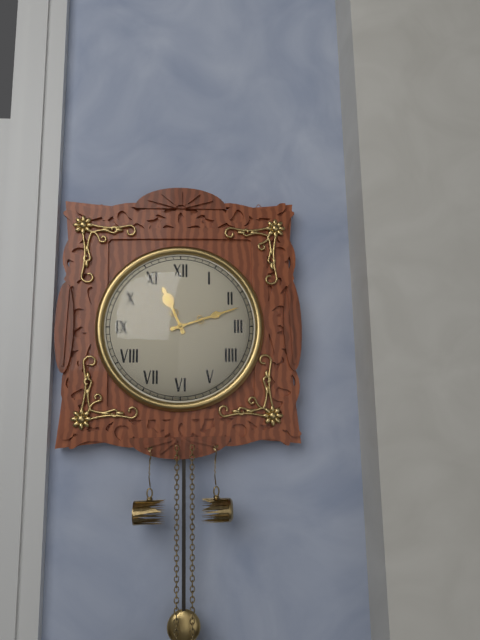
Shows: **11:12**
